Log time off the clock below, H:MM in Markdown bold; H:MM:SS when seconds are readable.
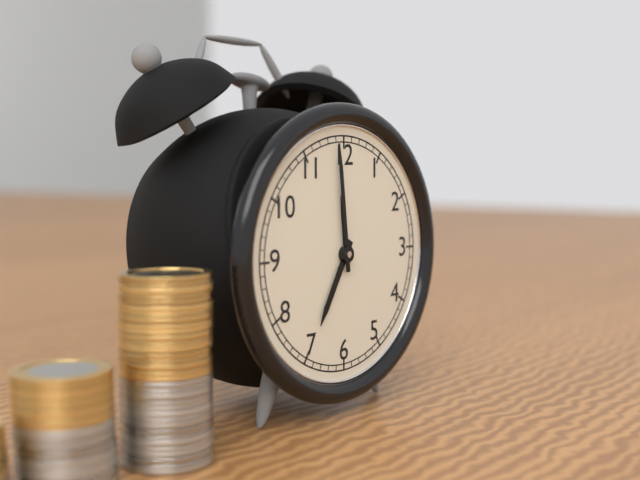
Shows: **6:59**
